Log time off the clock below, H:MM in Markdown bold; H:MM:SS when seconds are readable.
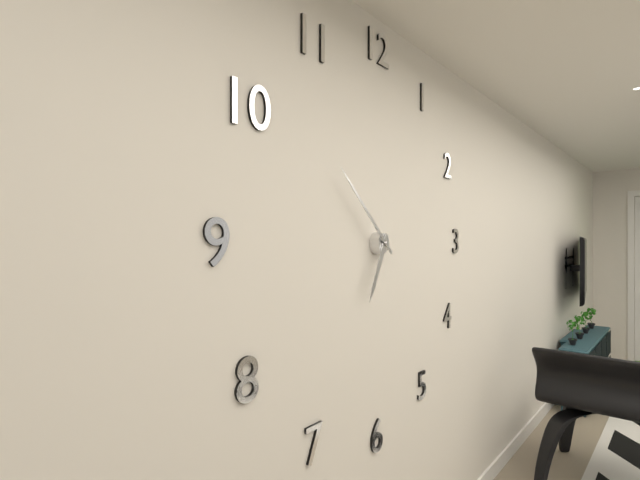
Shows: **6:52**
